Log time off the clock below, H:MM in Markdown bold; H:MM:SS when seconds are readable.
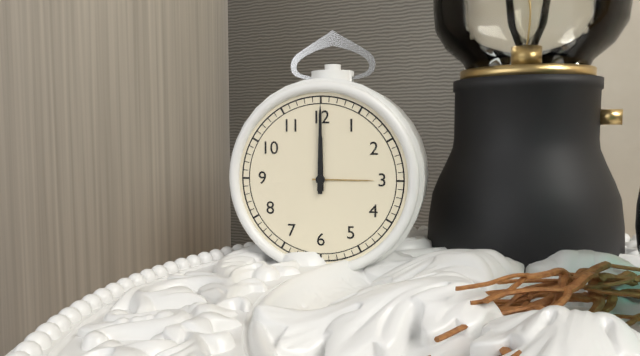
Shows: **12:00**
